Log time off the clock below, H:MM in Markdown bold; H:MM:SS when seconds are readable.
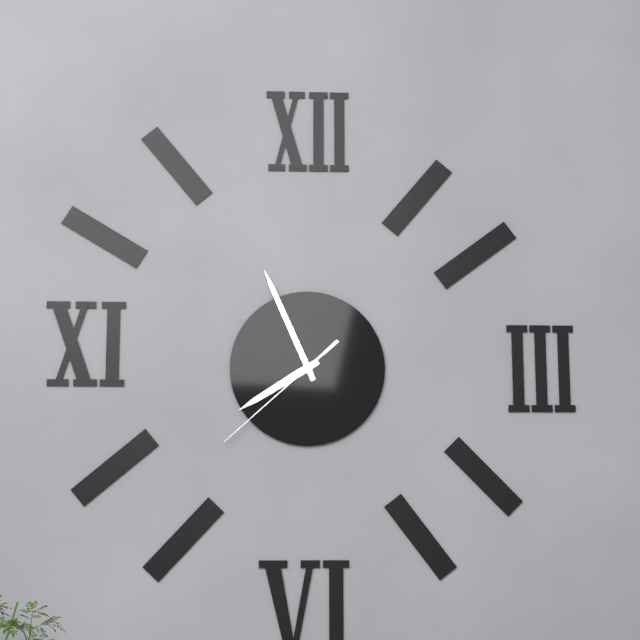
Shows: **7:56:38**
